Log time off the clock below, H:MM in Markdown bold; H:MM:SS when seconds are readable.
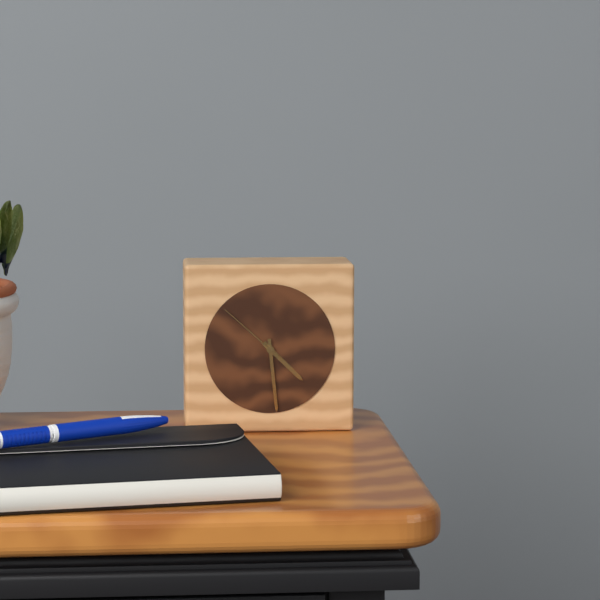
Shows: **4:29:52**
